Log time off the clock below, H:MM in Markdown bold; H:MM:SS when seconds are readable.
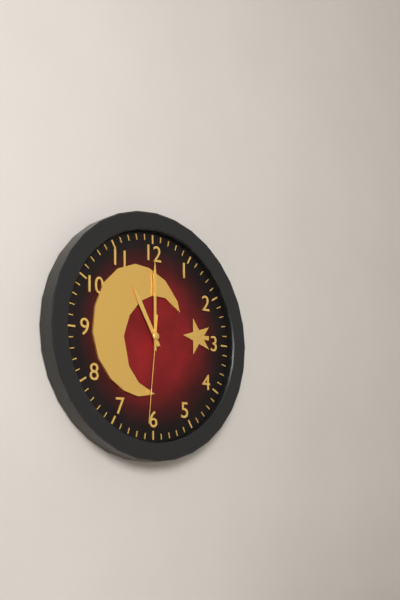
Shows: **11:00:31**
